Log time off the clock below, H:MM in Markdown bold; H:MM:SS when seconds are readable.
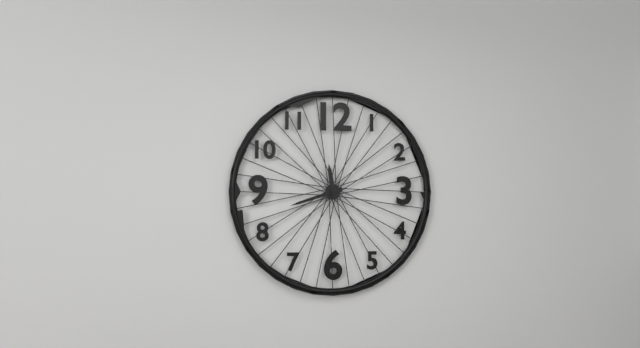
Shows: **11:42**
